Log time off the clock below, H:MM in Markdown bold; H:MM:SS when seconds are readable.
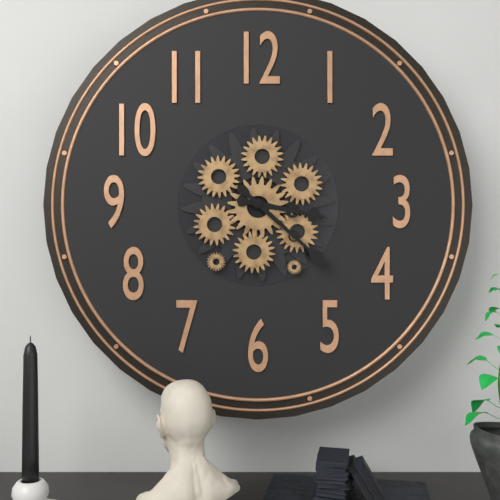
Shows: **3:22**
